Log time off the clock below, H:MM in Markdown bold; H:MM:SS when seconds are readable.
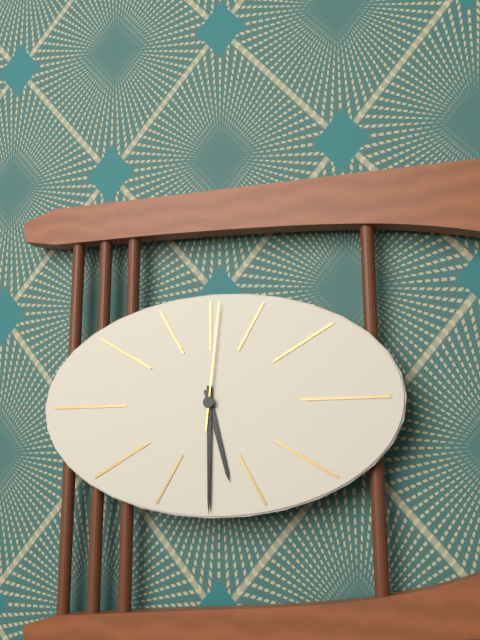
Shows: **5:30:01**
